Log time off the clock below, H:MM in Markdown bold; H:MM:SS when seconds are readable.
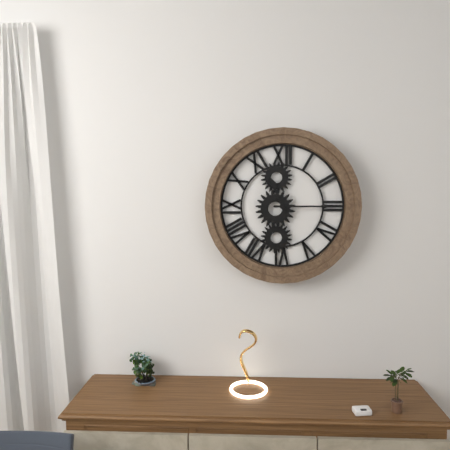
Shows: **11:15**
